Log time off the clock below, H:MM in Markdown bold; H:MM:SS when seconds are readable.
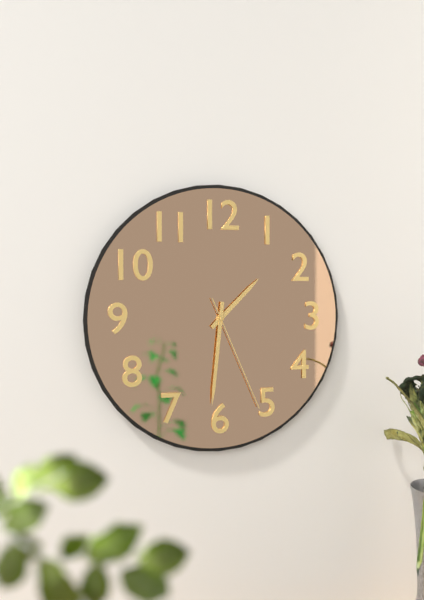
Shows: **1:31:26**
